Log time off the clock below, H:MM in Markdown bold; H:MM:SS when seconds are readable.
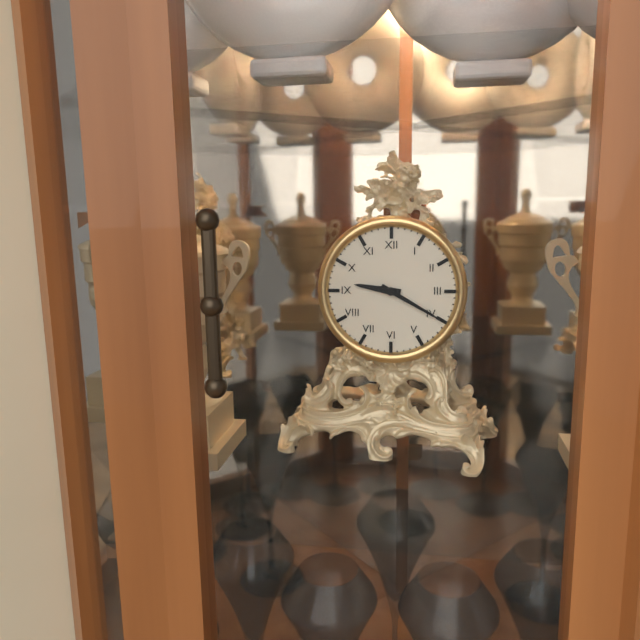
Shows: **9:20**
